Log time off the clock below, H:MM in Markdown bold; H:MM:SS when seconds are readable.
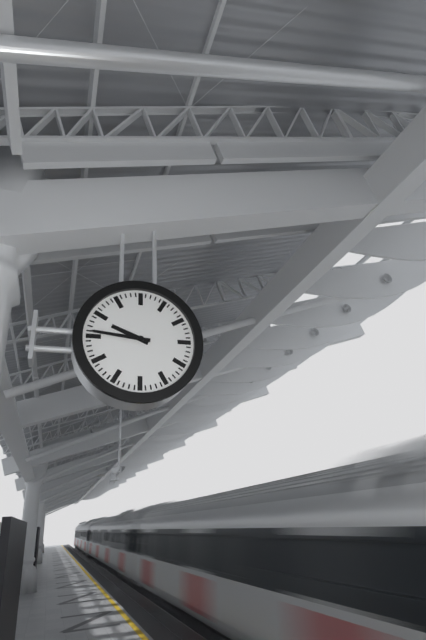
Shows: **9:46**
